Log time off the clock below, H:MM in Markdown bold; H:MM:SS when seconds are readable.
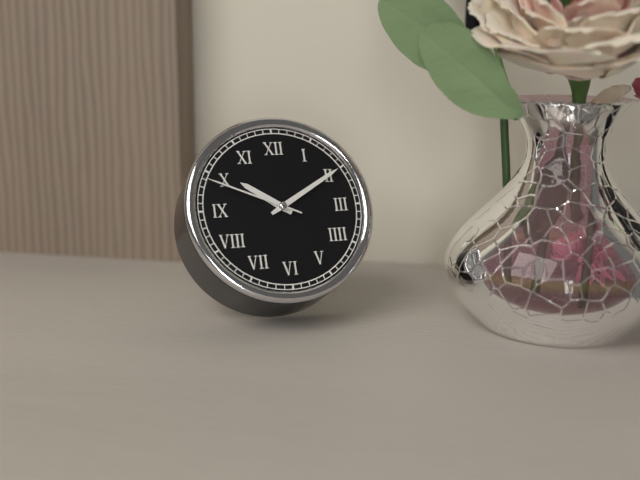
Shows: **10:10:49**
